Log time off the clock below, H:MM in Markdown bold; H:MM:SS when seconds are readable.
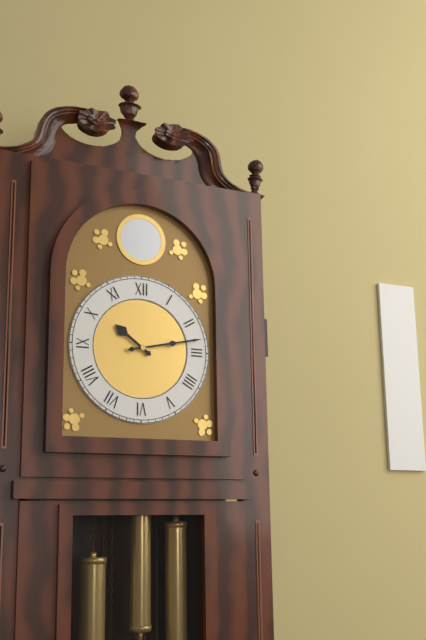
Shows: **10:13**
